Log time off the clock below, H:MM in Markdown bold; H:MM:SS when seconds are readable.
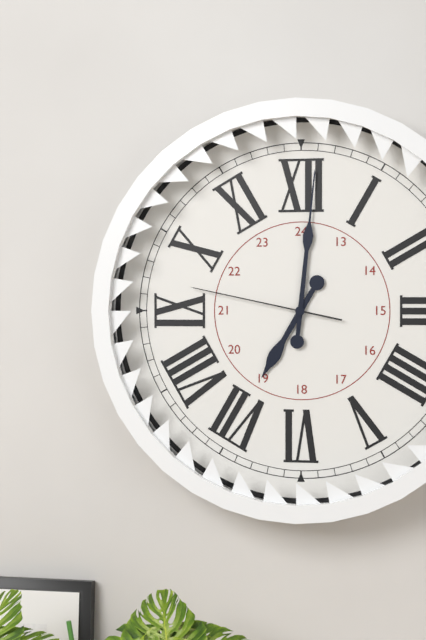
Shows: **7:01:47**
